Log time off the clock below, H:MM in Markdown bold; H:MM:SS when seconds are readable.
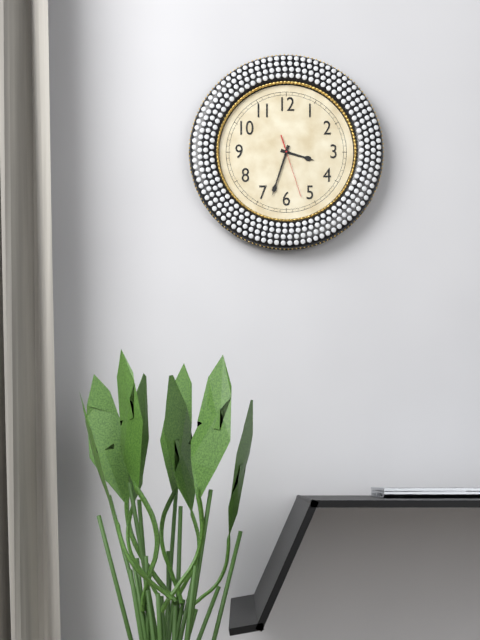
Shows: **3:33:27**
